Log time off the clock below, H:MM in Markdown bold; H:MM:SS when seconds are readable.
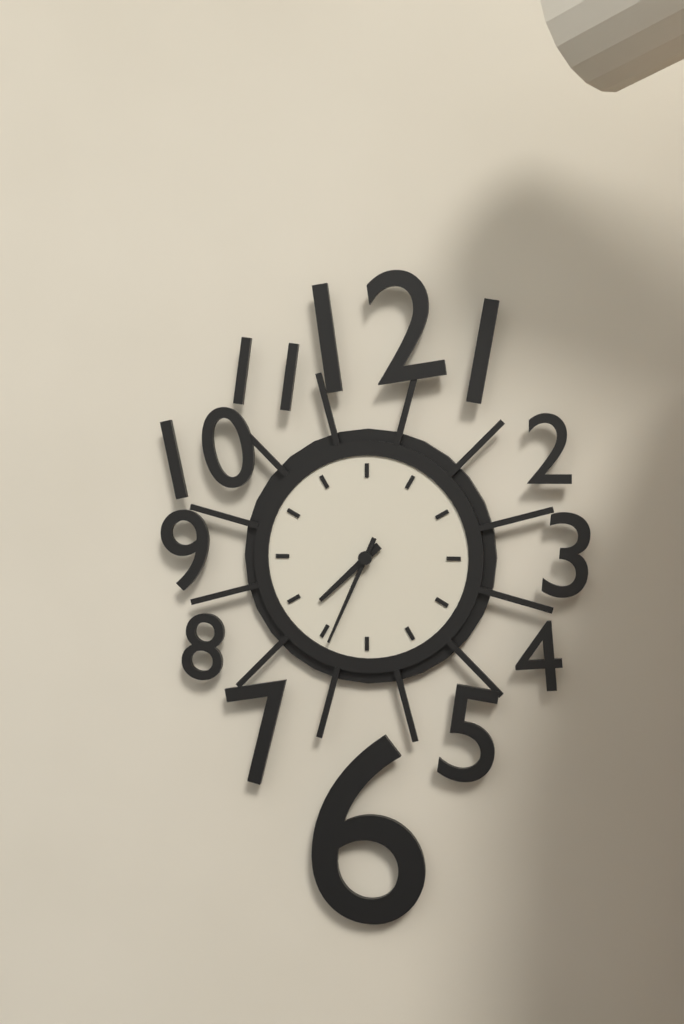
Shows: **7:34**
